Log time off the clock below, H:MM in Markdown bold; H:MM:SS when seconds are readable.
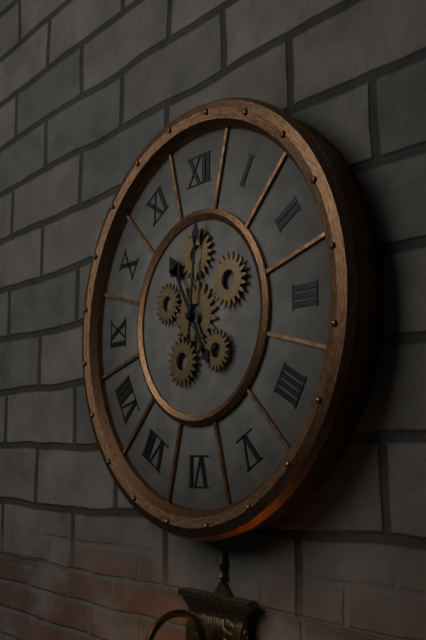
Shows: **11:01**
